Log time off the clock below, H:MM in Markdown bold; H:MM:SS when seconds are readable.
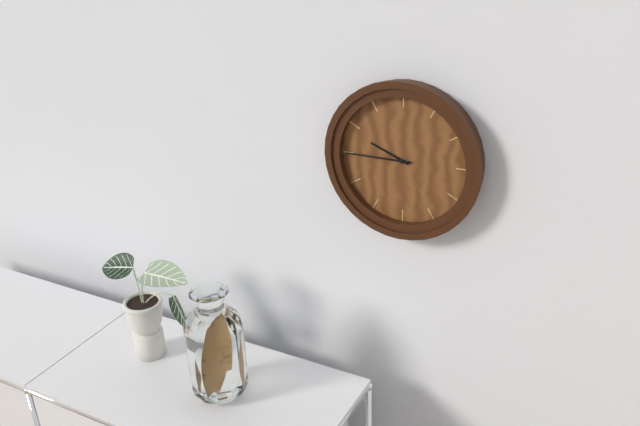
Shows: **9:45**
